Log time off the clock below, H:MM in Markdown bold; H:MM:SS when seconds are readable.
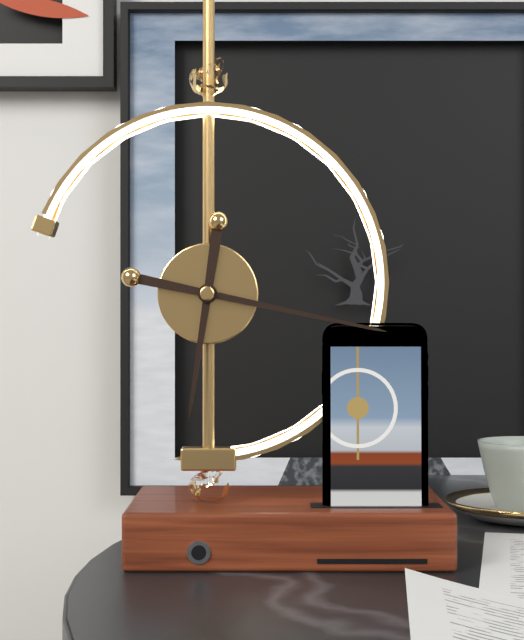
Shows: **6:17**
